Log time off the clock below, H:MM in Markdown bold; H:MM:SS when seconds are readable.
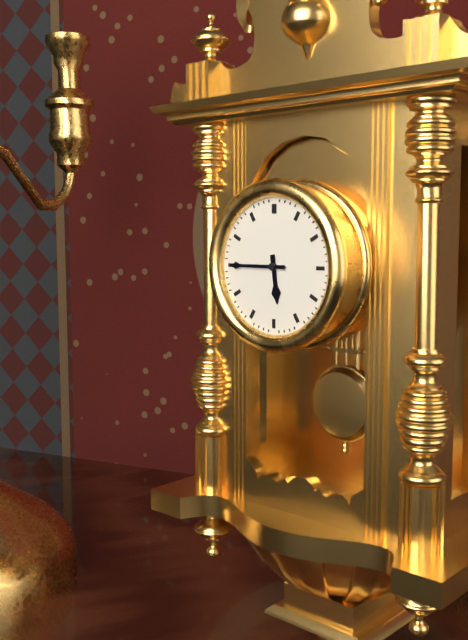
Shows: **5:45**
